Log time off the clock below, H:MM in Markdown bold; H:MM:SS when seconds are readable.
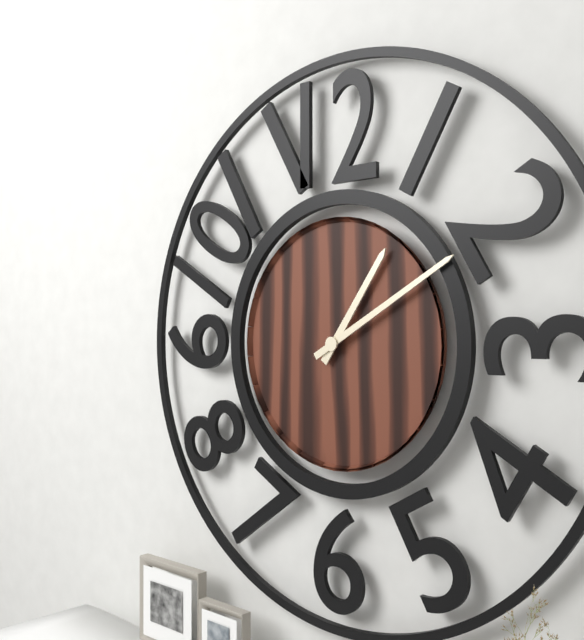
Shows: **1:10**
